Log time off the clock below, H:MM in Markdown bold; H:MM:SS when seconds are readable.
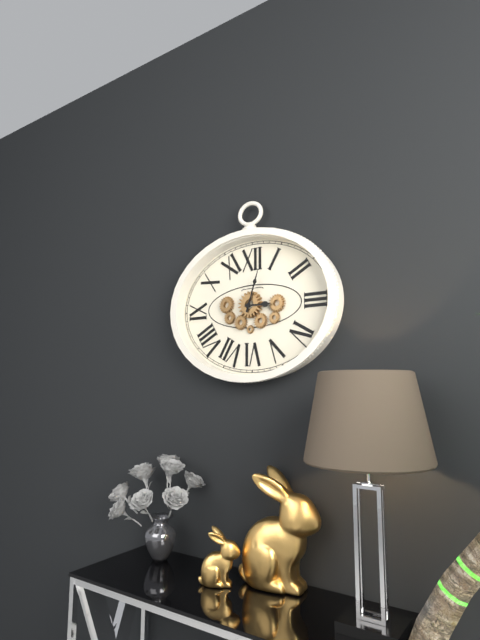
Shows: **3:03**
